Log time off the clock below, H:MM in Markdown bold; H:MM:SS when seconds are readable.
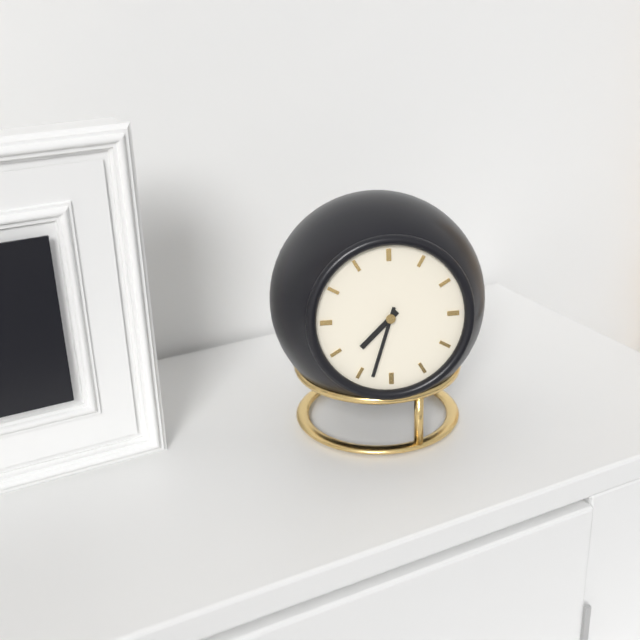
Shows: **7:33**
